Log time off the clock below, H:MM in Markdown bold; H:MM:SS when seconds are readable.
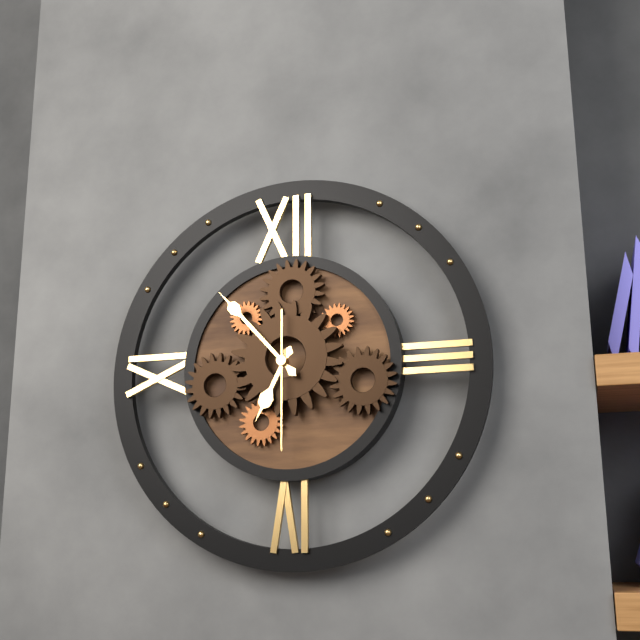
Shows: **6:53:30**
